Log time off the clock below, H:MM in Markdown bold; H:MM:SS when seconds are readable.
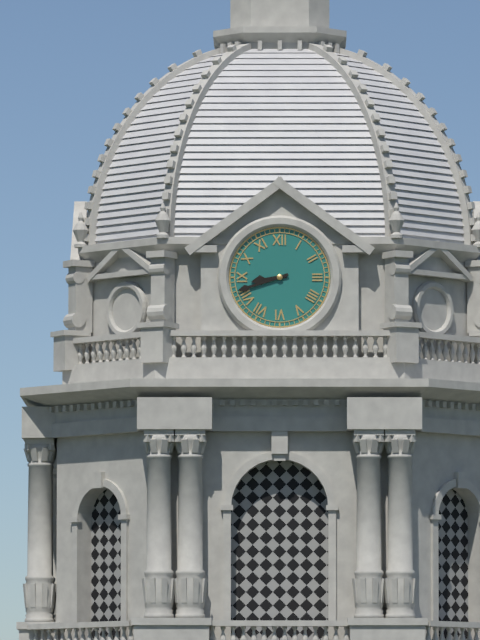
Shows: **8:42**
